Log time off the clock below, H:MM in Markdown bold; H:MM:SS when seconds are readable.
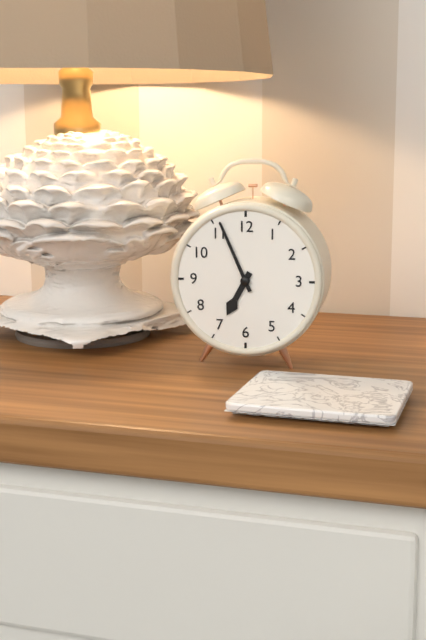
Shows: **6:56**
